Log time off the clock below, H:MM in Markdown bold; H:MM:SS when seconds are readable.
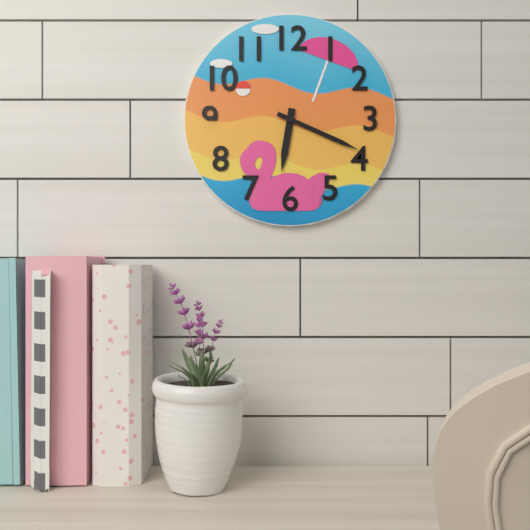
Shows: **6:19**
